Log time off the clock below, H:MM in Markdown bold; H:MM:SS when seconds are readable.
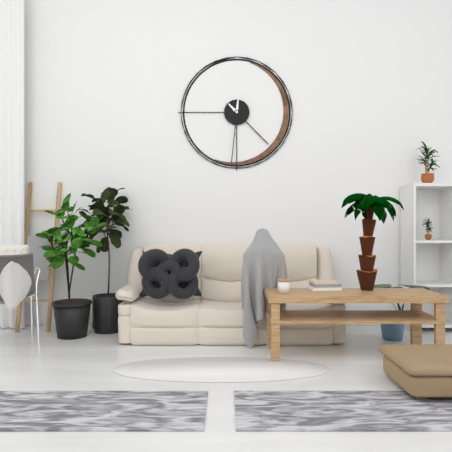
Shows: **4:31**
